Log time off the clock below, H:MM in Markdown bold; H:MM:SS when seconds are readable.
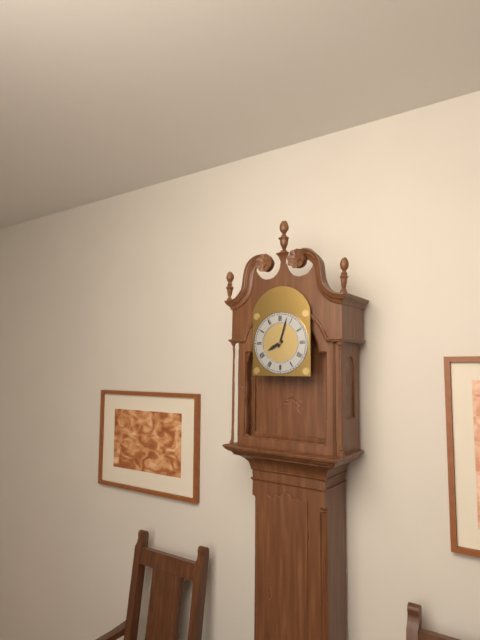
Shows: **8:03**
